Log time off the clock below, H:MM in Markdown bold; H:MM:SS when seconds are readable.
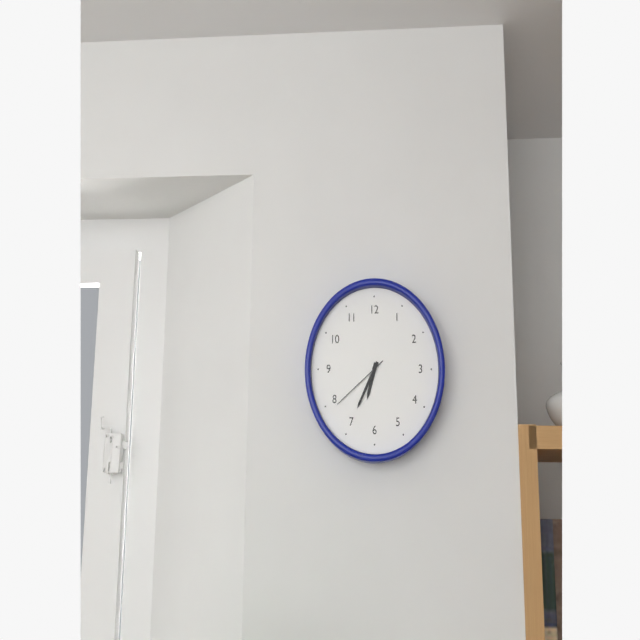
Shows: **6:35:39**
